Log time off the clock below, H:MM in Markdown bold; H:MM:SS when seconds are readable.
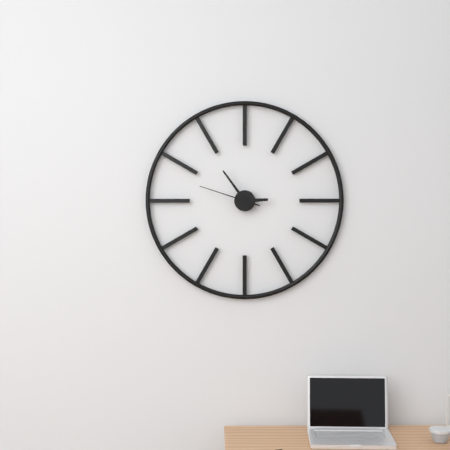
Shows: **2:54:48**
